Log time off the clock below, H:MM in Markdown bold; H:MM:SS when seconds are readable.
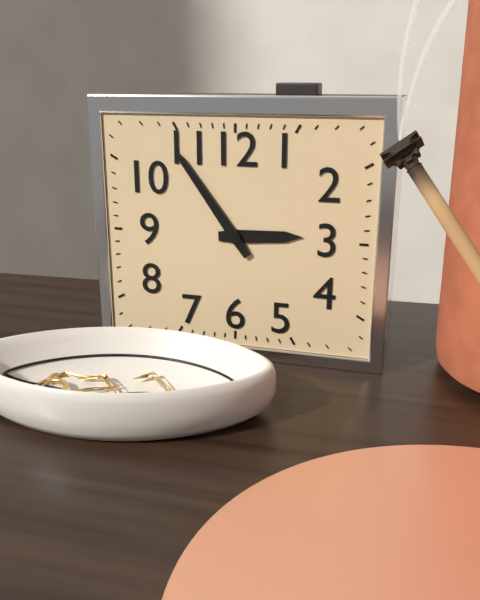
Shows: **2:54**
